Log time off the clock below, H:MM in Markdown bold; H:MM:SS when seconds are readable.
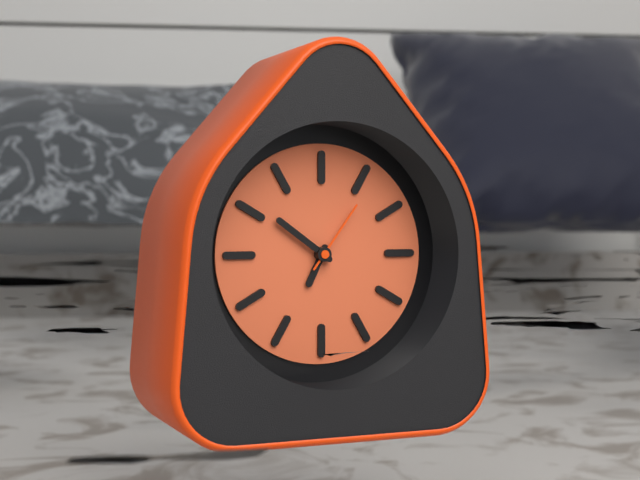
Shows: **6:51:06**
